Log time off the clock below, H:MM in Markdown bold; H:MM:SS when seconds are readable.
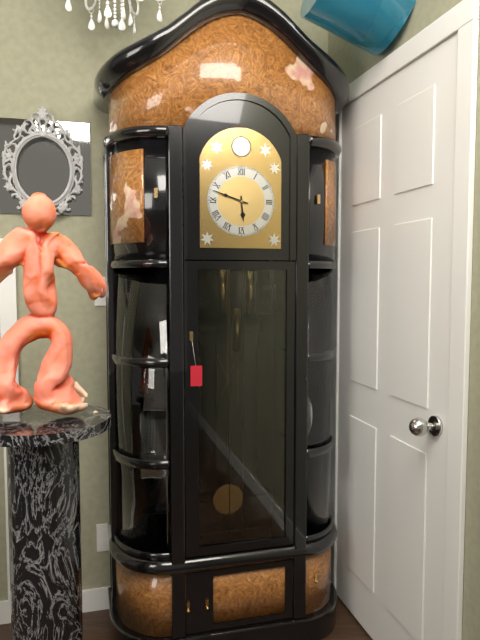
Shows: **5:48**
